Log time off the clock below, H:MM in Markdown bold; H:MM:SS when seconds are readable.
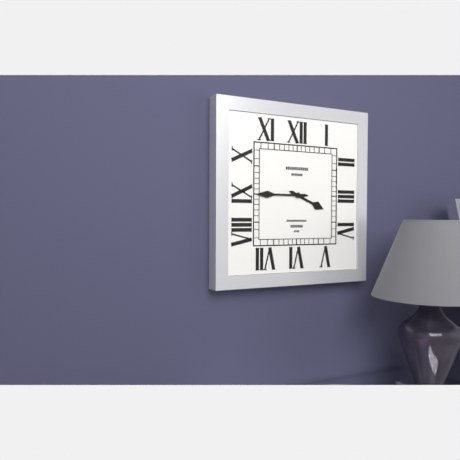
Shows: **3:45**
